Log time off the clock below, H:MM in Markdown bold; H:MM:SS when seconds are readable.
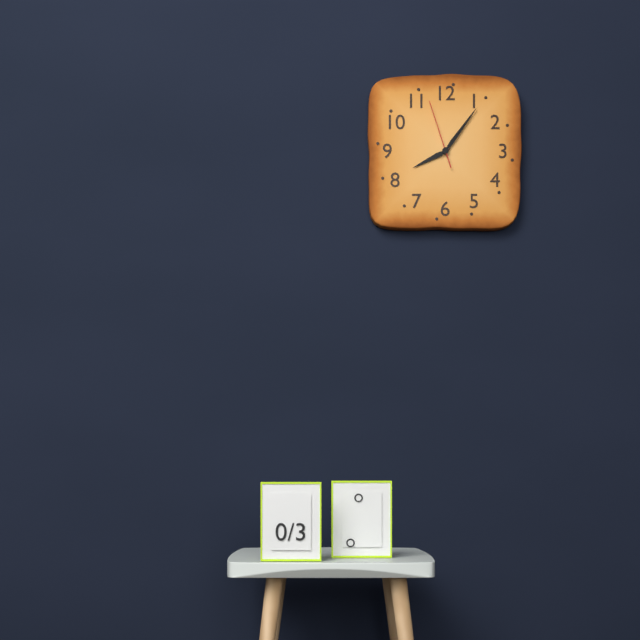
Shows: **8:06:57**
